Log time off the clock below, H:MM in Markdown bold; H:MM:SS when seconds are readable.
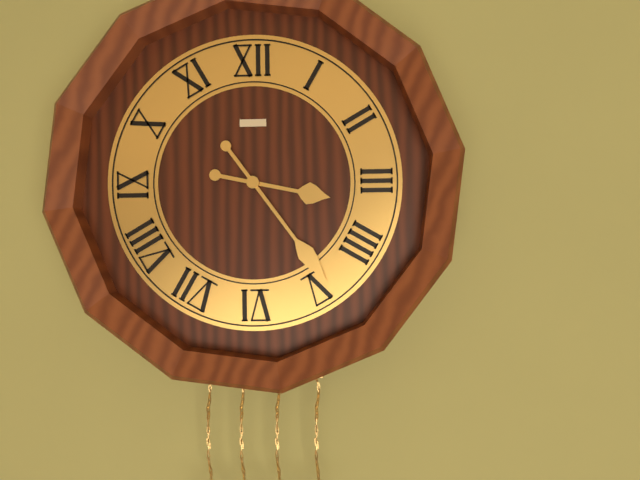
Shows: **3:24**
